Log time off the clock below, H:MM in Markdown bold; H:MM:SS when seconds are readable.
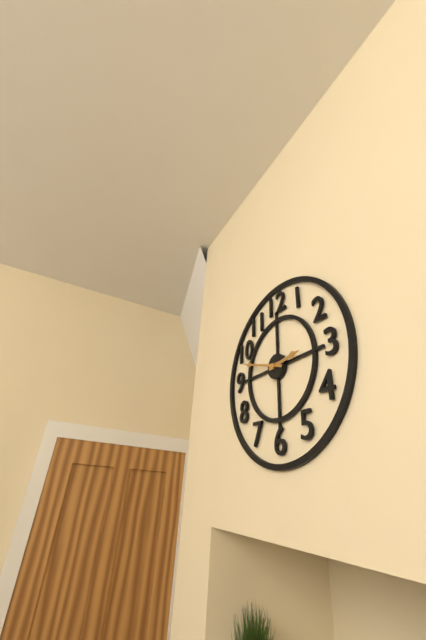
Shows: **2:48**
